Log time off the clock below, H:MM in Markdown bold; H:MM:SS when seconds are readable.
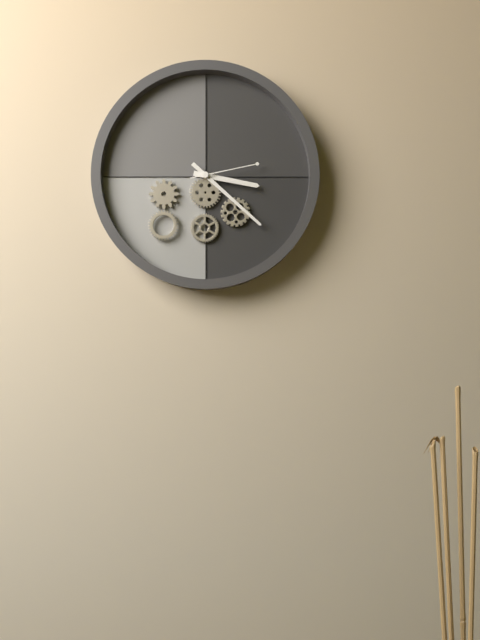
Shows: **3:22:13**
